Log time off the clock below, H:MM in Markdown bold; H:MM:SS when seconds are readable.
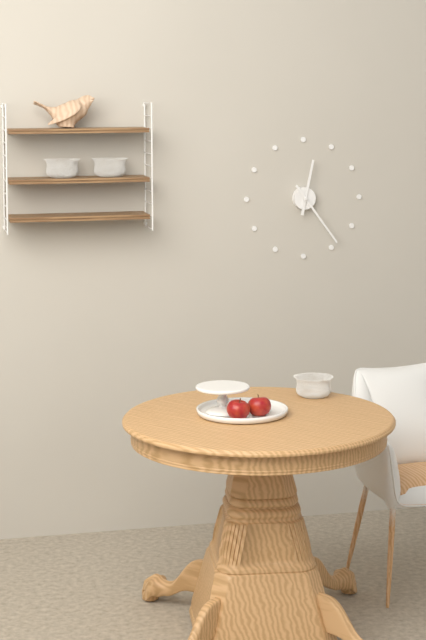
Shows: **12:24**
